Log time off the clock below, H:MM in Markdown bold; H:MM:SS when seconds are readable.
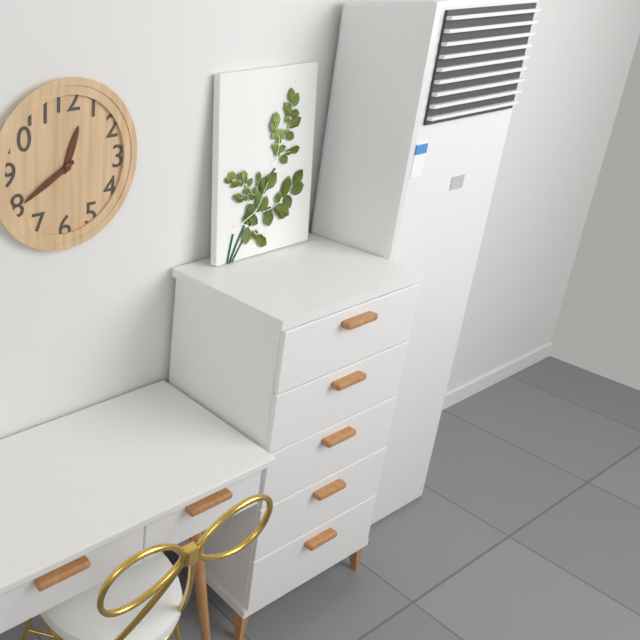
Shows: **12:40**
